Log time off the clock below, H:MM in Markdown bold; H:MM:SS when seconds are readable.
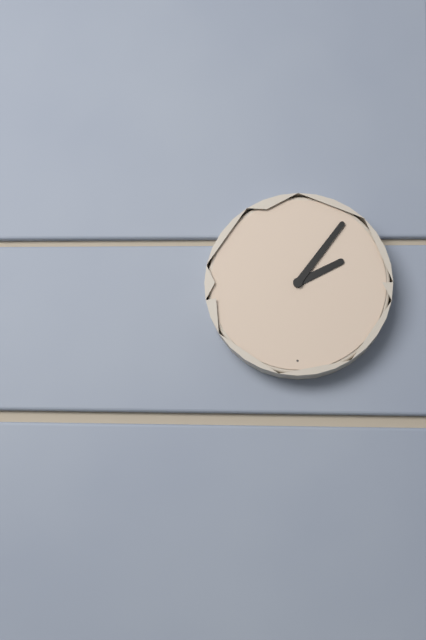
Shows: **2:06**
